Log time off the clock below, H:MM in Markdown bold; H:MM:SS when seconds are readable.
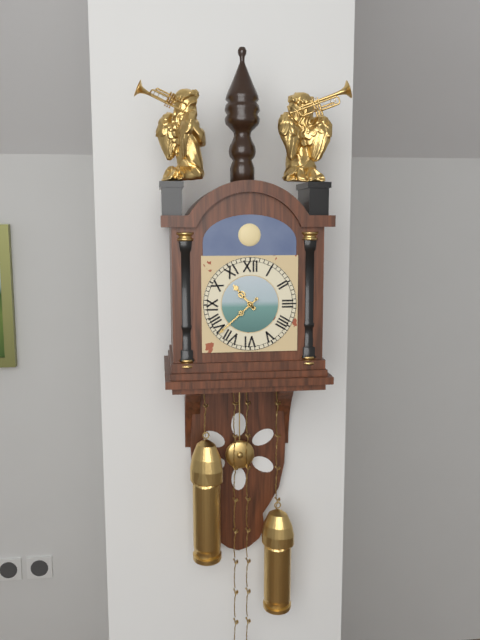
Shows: **10:38**
